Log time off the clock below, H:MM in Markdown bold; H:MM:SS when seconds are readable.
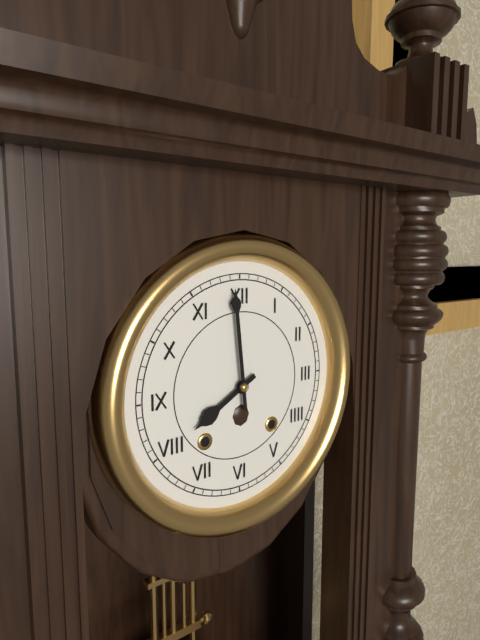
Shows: **7:59**
